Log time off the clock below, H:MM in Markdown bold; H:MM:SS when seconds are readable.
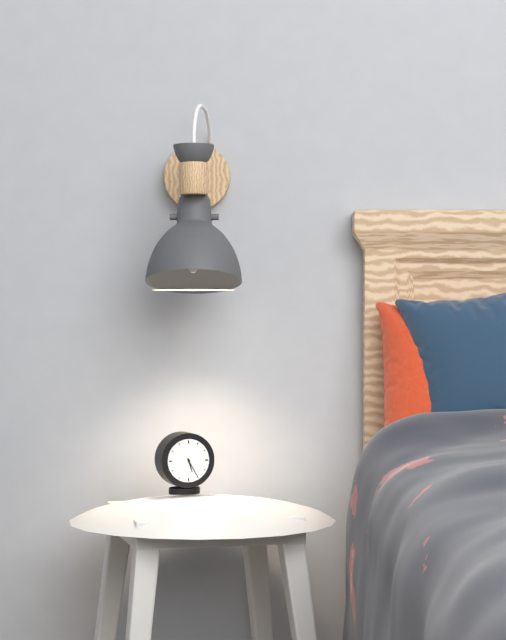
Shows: **5:25**
